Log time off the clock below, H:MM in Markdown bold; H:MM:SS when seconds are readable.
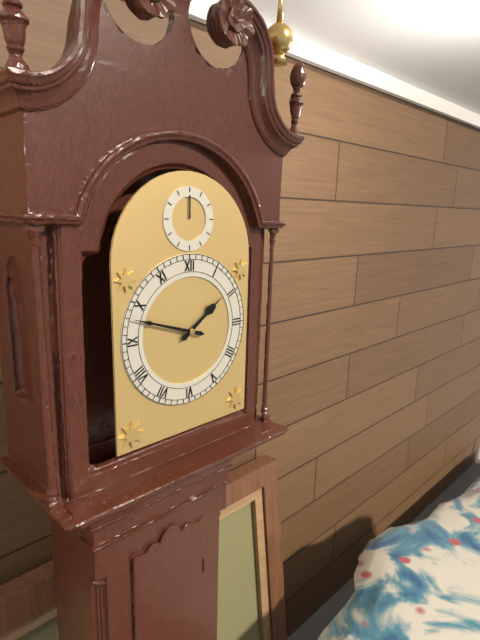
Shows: **1:48**
